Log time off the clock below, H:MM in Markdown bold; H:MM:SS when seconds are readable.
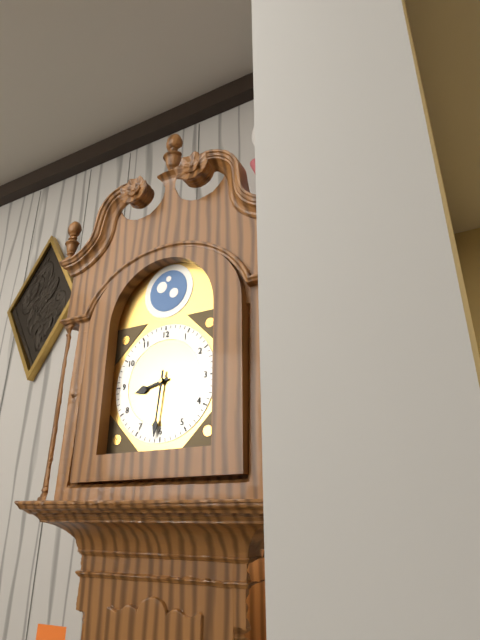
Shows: **8:31**
